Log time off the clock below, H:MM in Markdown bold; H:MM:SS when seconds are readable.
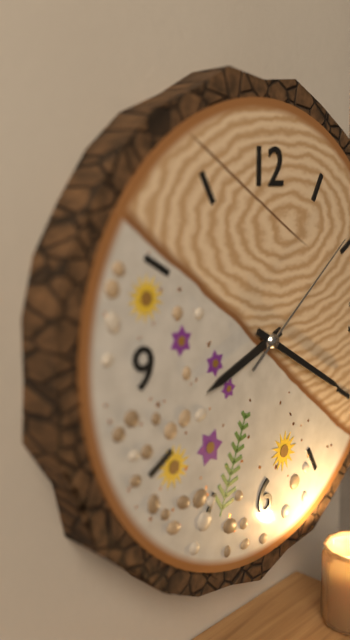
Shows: **8:20:09**
